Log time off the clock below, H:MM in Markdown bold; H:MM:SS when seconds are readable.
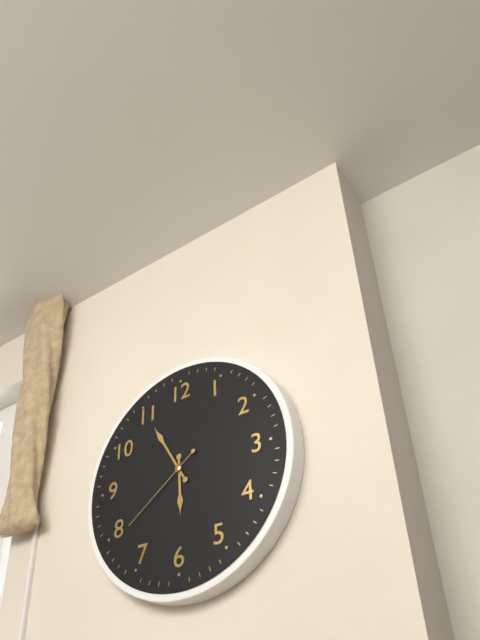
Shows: **5:55:39**
